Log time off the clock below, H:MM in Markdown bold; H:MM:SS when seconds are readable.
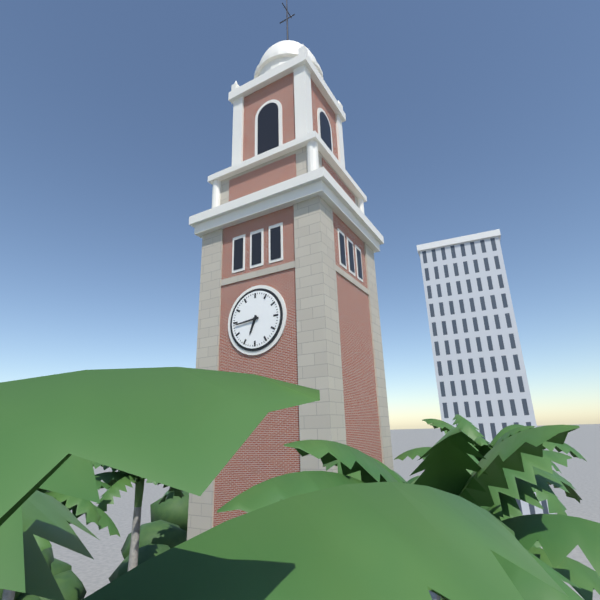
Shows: **6:44**
